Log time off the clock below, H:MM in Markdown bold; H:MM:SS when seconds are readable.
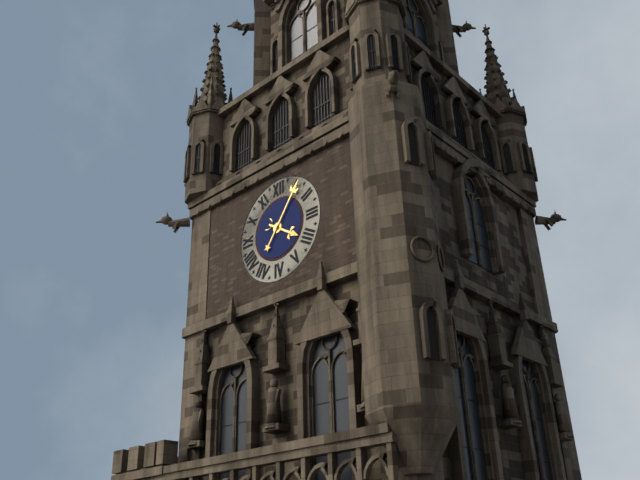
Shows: **4:06**
